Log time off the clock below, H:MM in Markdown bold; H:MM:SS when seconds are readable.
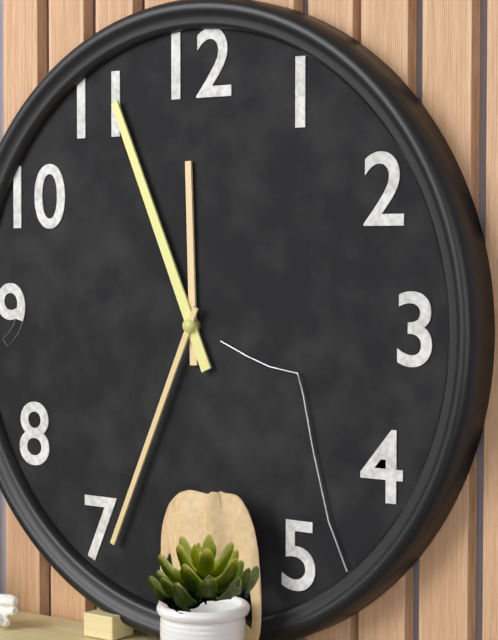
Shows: **11:56:34**
